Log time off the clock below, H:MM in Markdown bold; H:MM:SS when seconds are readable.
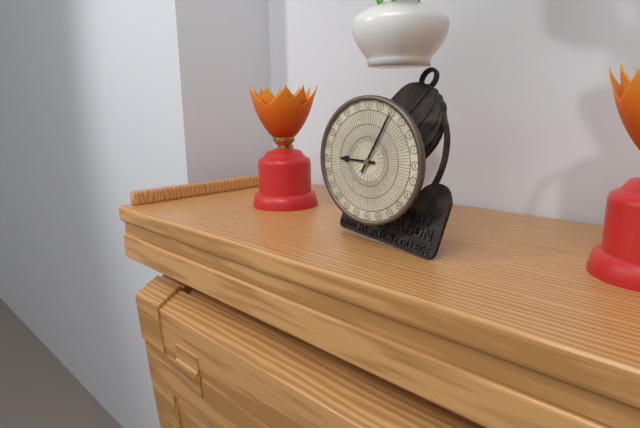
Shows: **9:05**
